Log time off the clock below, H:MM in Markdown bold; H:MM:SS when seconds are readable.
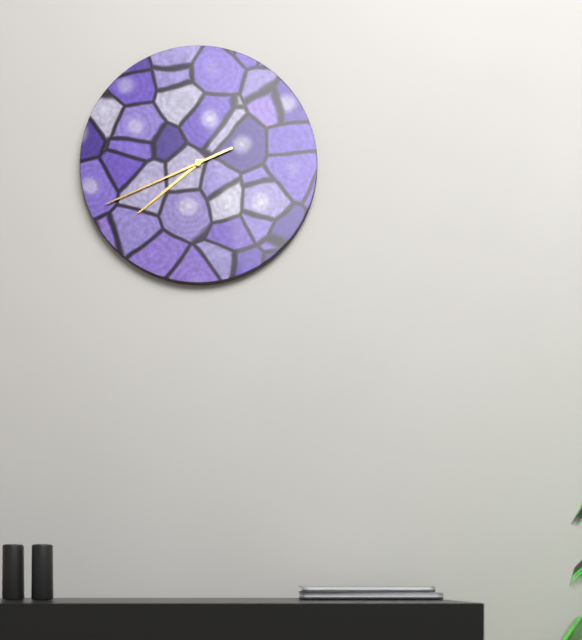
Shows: **7:41**
